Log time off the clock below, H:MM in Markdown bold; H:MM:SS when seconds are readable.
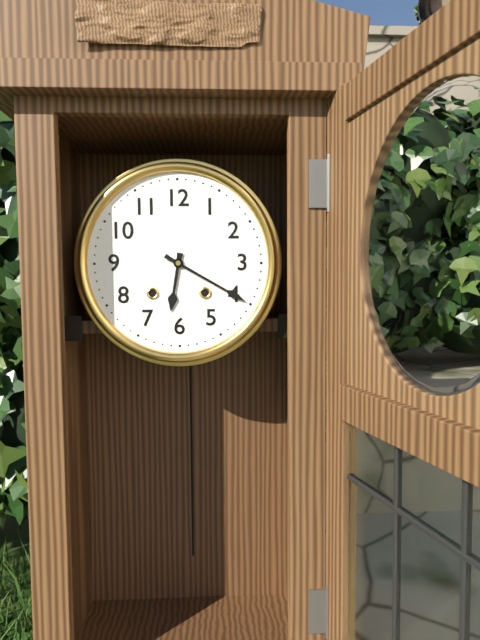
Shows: **6:20**
